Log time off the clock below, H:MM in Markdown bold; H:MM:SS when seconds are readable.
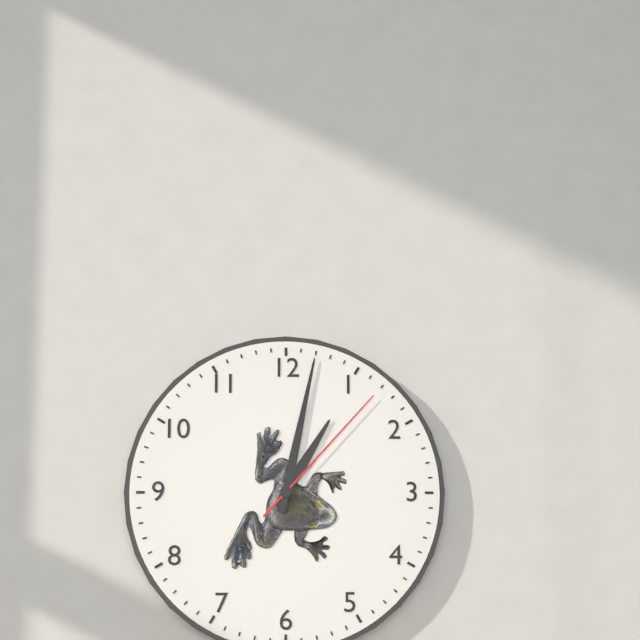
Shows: **1:02:07**
